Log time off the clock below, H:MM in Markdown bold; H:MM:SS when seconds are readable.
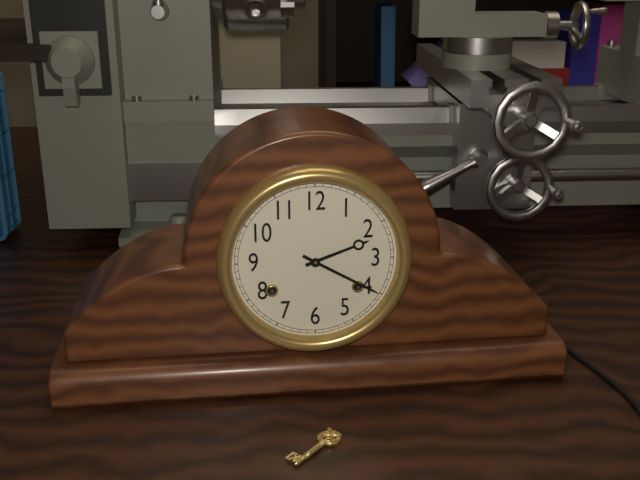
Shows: **2:20**
